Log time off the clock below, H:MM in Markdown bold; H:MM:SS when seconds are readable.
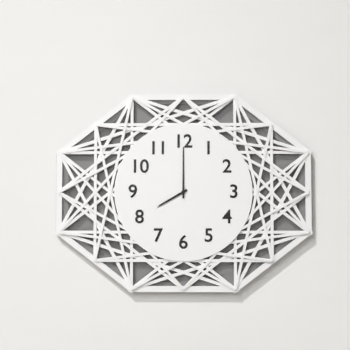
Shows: **8:00**
